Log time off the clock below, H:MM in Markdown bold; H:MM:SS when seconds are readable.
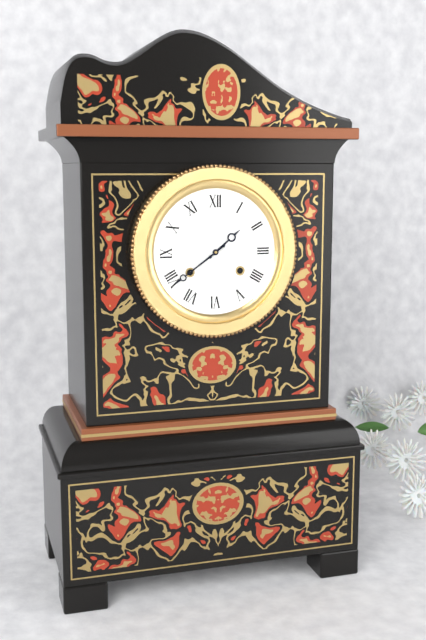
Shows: **1:39**
